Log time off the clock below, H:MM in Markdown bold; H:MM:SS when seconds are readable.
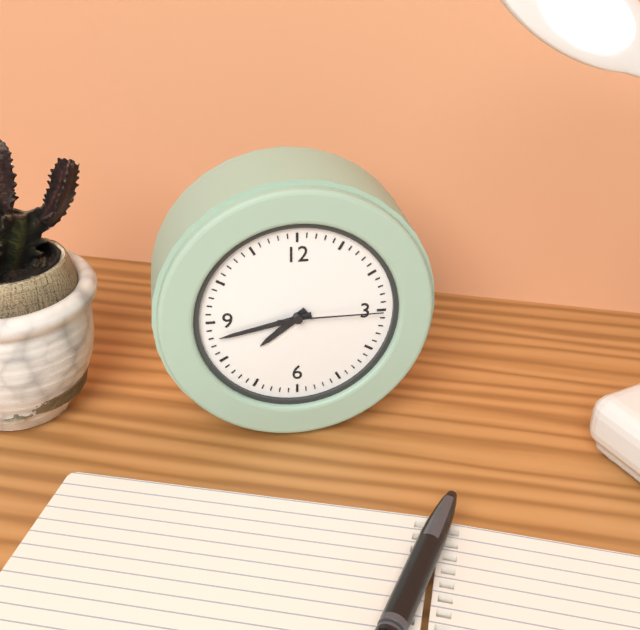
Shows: **7:43:15**
